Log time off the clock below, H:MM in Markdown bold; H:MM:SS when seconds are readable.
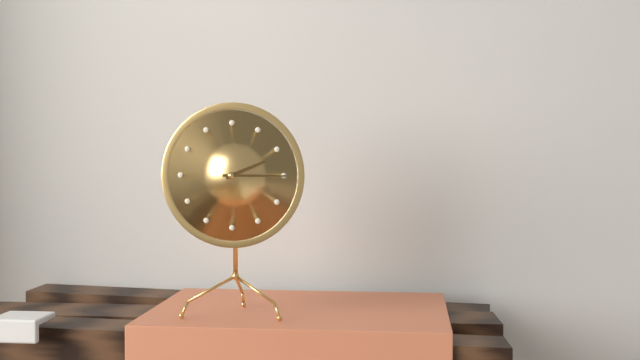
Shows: **2:15**
